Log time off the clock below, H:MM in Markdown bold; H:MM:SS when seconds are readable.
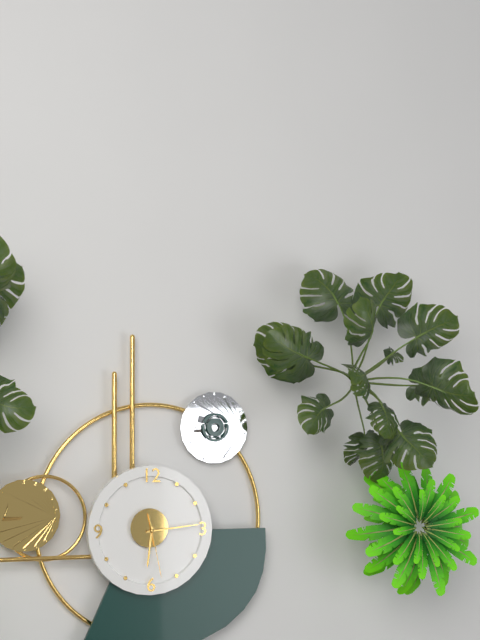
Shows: **6:14:28**
